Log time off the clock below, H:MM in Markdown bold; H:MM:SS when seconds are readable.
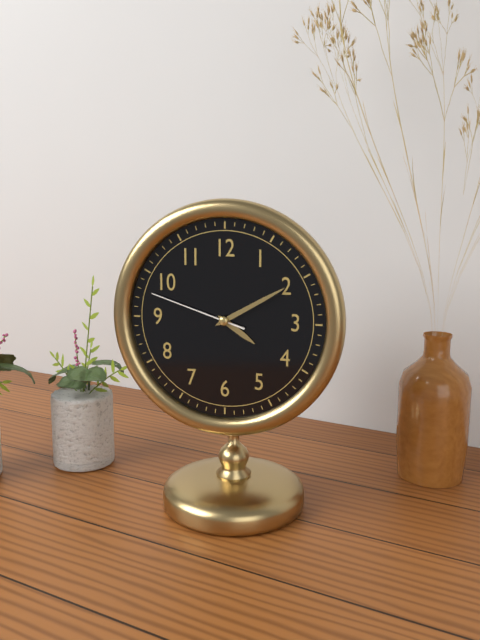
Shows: **4:10:48**
